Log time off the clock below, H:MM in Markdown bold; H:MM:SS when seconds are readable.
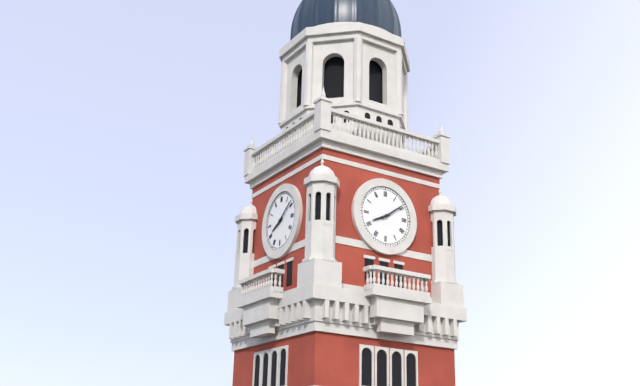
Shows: **8:09**
